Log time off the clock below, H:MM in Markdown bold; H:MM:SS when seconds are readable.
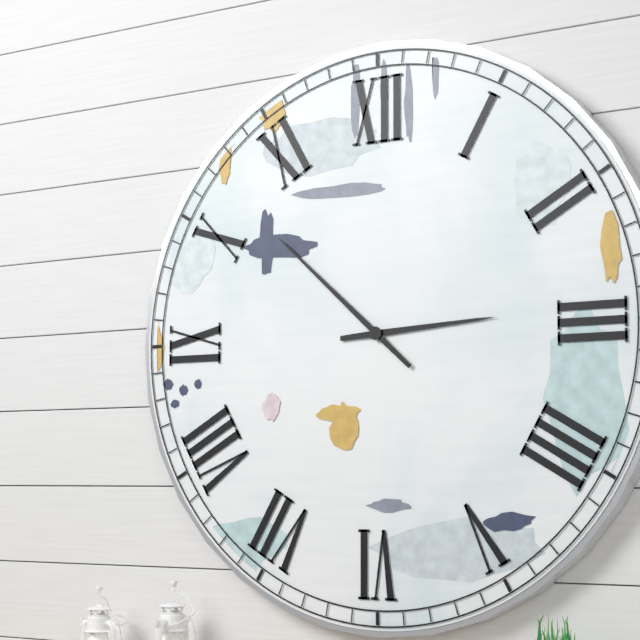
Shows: **2:52**
